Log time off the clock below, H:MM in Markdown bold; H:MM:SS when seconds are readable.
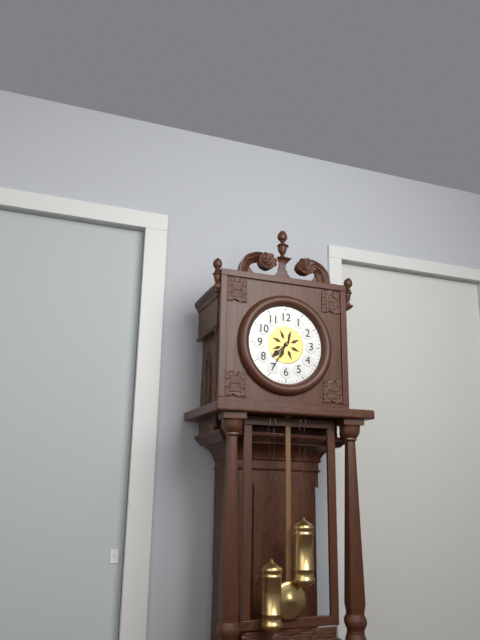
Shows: **7:35**
